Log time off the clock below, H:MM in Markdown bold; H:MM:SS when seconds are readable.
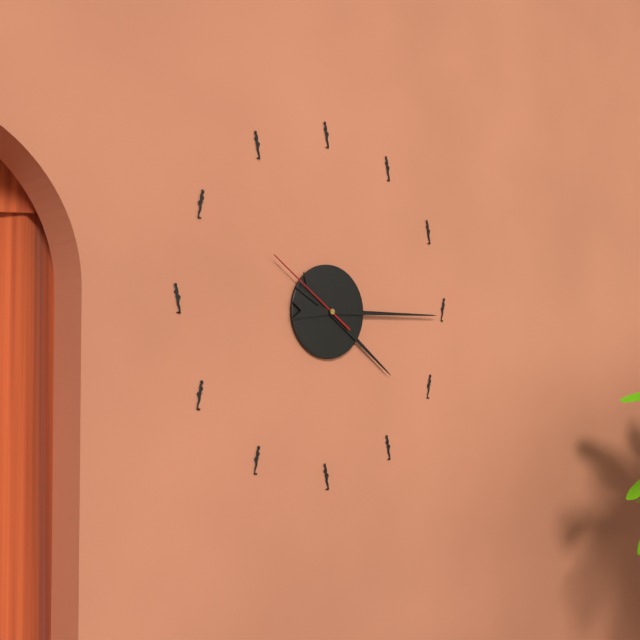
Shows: **4:15:51**
